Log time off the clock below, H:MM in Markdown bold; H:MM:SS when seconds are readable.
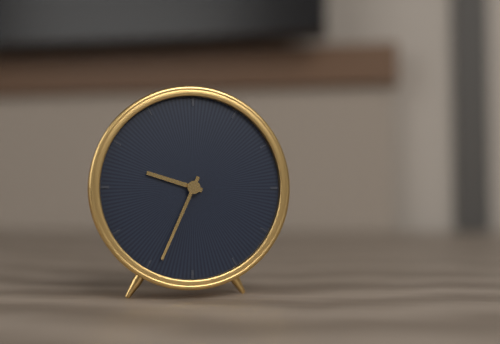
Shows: **9:34**
